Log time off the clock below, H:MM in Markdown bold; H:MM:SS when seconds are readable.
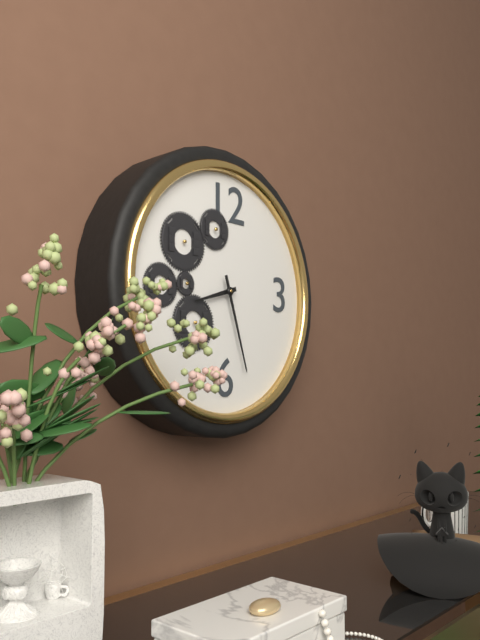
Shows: **8:27**
